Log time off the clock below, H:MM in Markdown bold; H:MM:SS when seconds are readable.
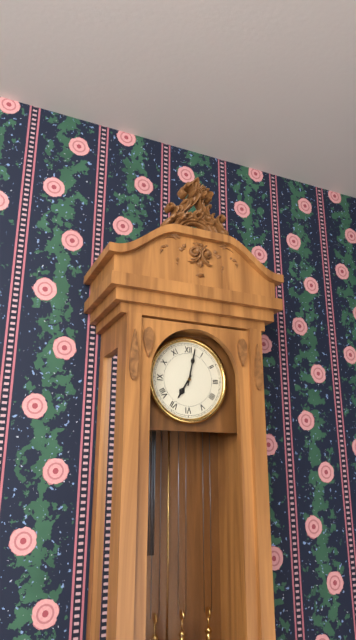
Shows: **7:02**
